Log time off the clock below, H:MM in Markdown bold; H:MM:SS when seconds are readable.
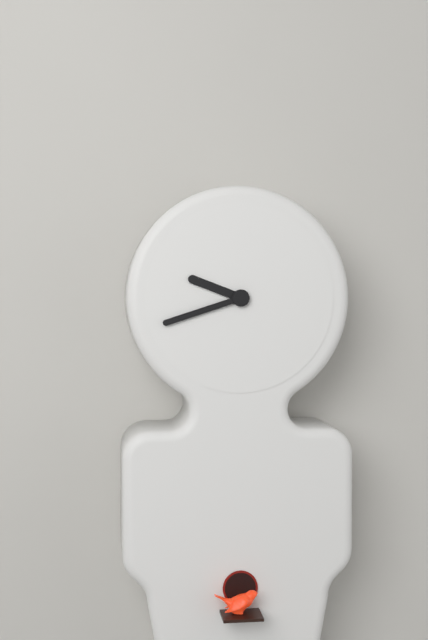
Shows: **9:42**
